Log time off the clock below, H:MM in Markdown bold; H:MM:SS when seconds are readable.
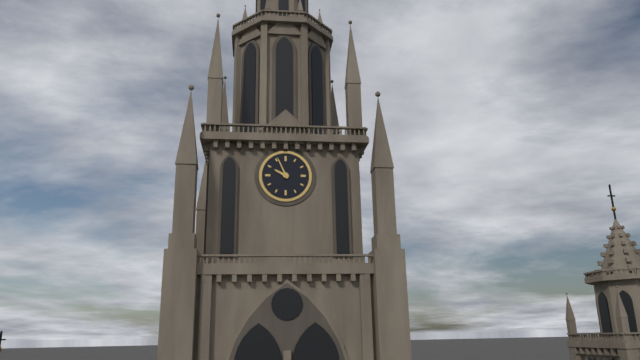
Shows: **9:56**
